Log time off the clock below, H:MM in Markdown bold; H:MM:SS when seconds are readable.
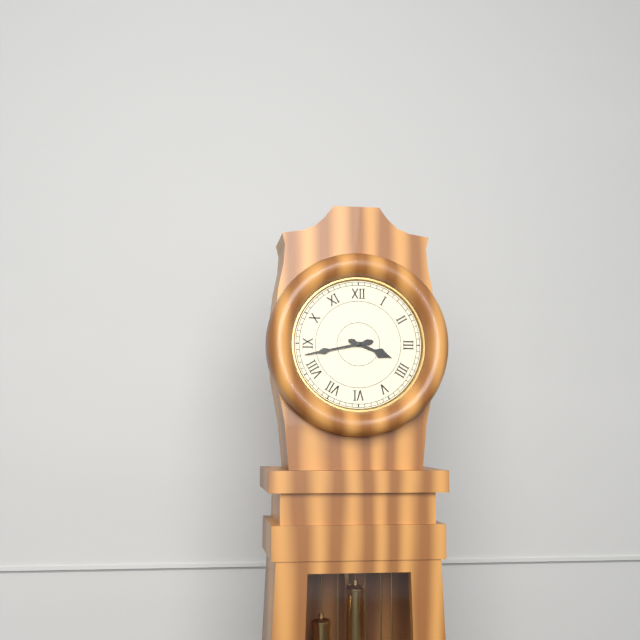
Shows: **3:43**
